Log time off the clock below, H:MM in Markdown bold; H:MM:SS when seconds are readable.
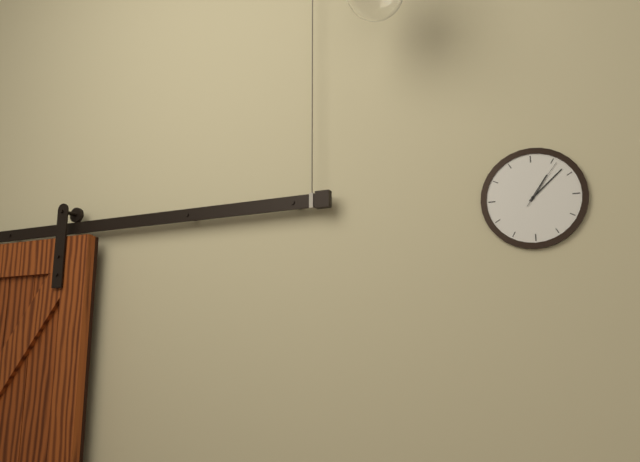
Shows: **1:08:06**
